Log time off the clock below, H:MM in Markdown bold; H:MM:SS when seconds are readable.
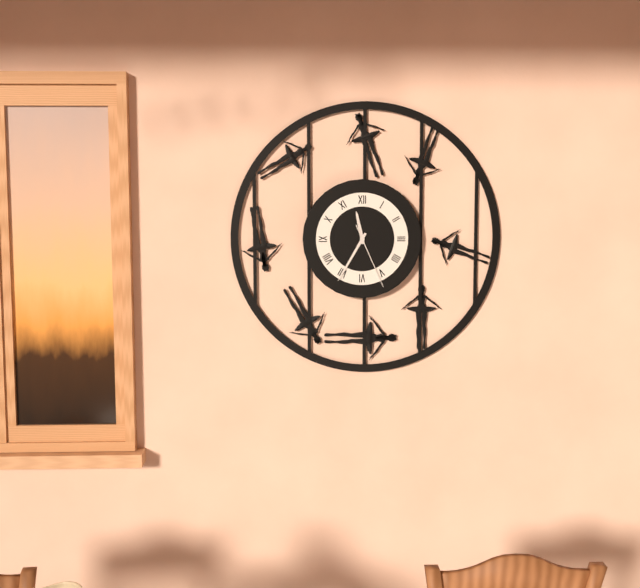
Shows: **11:35:26**
